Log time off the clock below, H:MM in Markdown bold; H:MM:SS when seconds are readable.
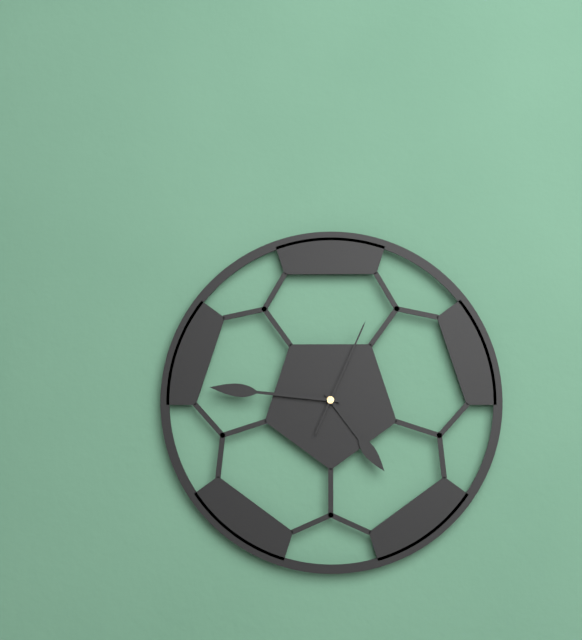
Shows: **4:46:04**
